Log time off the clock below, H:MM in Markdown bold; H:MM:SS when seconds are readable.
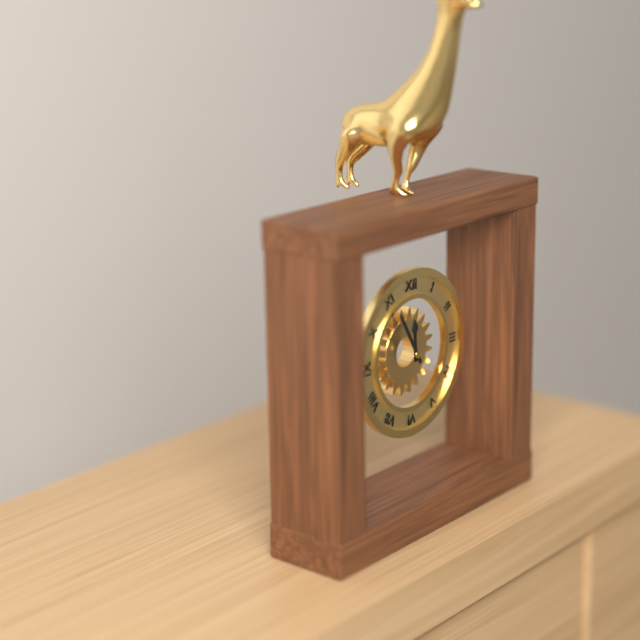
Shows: **11:55**
